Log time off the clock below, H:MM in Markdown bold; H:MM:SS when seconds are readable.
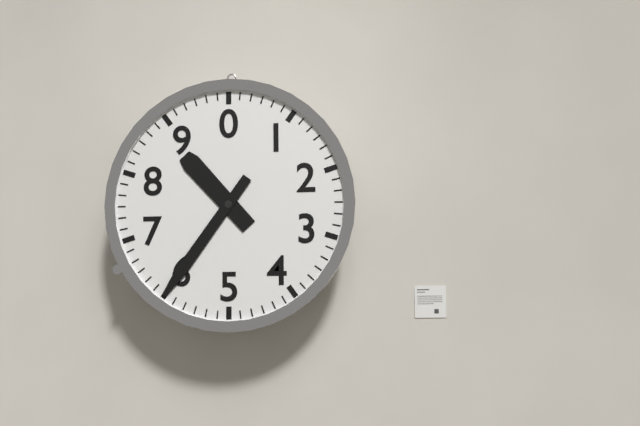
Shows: **10:36**
